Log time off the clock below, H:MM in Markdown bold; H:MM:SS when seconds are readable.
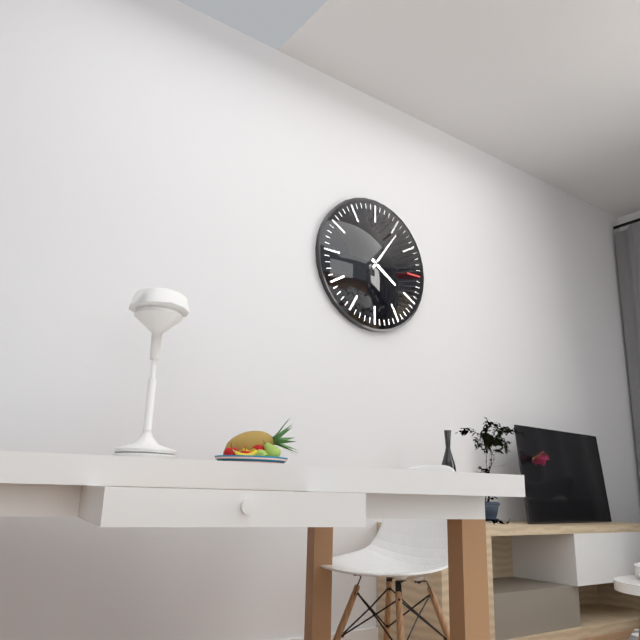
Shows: **4:06**
